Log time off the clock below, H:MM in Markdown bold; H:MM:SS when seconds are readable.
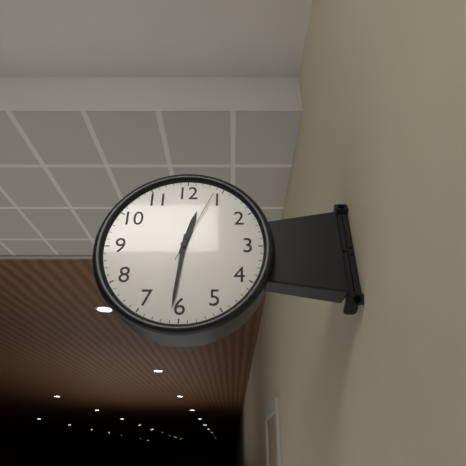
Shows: **12:31:04**
